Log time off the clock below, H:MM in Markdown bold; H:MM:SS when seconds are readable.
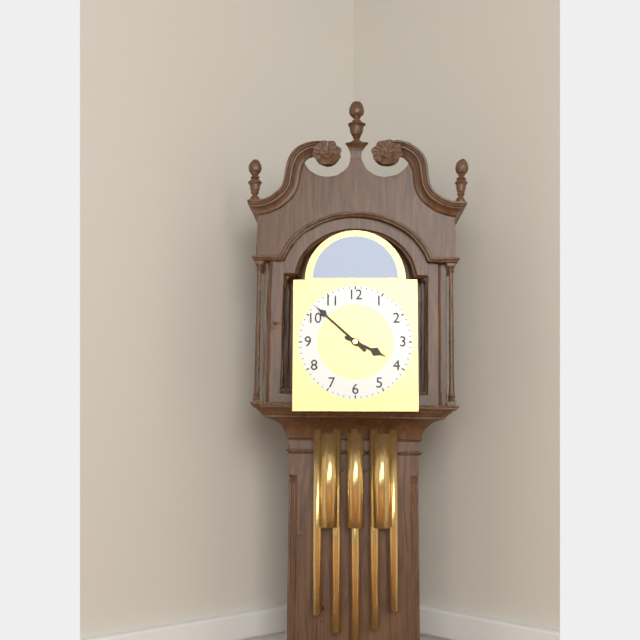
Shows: **3:52**
